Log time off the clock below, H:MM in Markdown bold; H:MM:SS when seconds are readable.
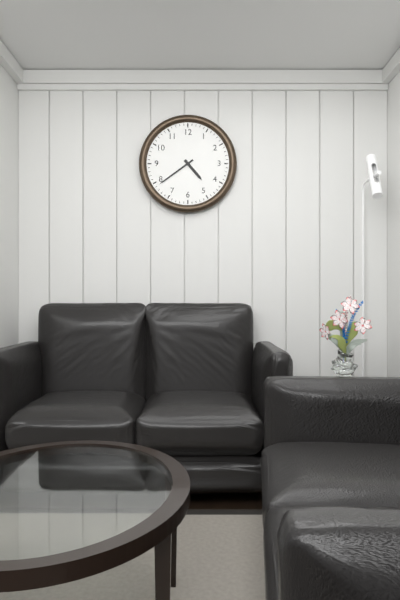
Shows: **4:39**
